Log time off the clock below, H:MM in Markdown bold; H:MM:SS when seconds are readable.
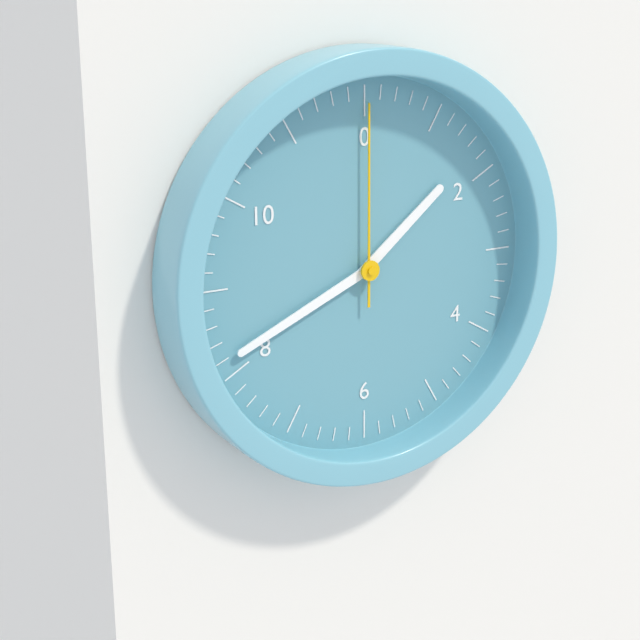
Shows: **1:41:00**
